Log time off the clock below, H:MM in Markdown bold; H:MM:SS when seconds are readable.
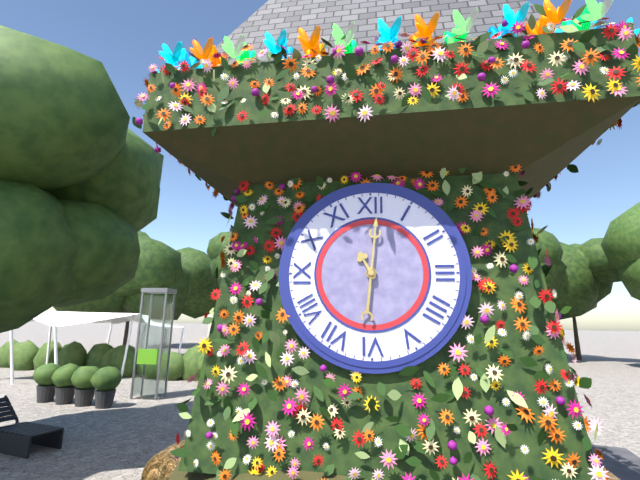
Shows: **11:01**
